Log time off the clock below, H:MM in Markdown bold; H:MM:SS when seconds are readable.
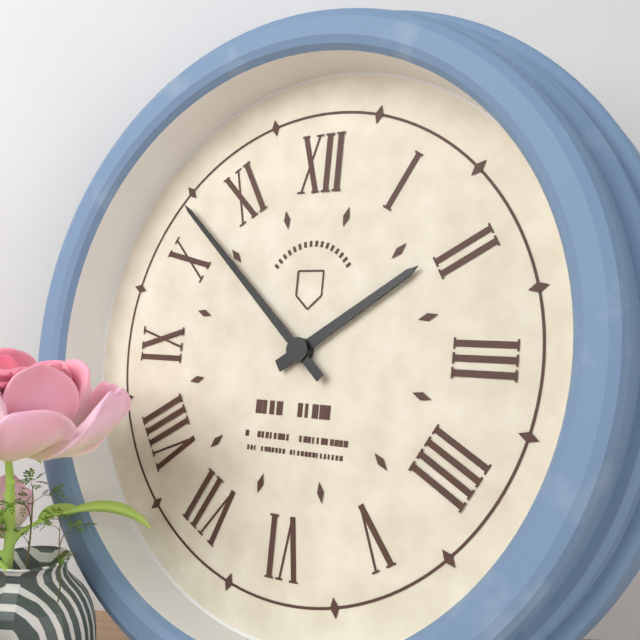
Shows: **1:52**
